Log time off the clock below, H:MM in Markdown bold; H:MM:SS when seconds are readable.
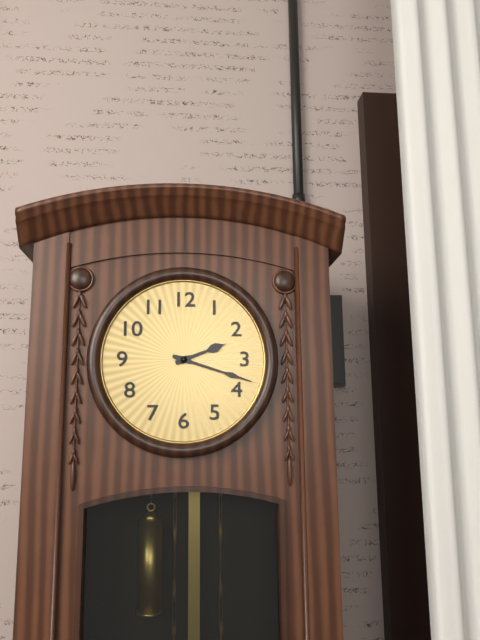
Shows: **2:18**
